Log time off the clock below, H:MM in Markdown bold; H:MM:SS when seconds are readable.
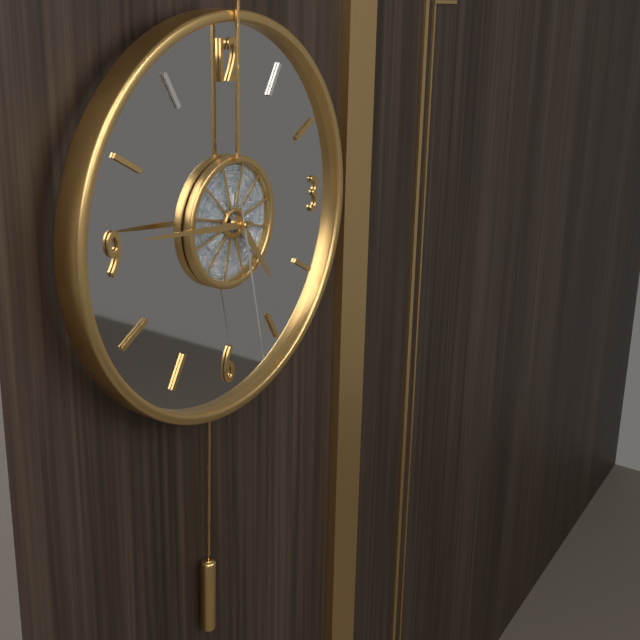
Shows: **4:46:28**
